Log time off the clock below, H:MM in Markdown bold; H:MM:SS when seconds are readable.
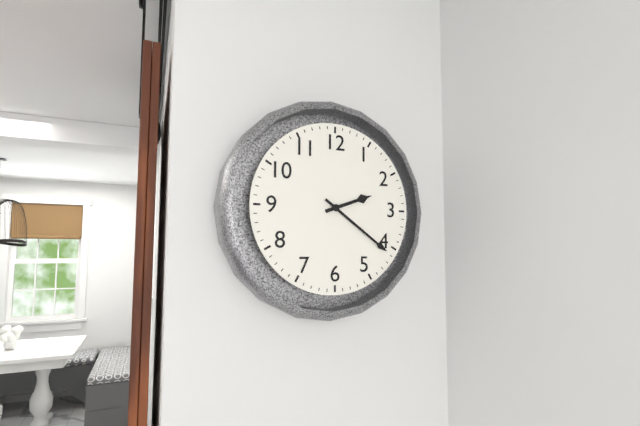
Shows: **2:21**
